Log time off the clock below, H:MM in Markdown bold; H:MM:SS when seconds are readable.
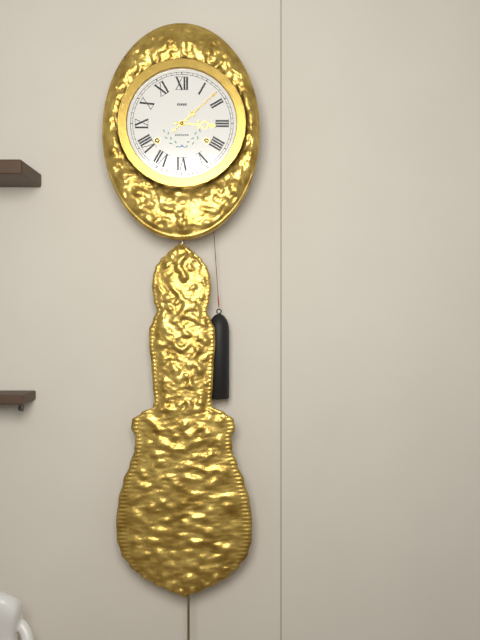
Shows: **3:08**
